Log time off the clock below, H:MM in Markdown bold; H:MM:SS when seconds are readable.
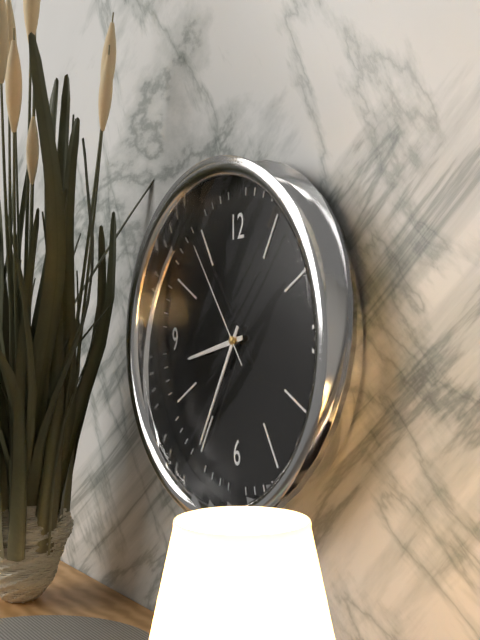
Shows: **8:35:54**
